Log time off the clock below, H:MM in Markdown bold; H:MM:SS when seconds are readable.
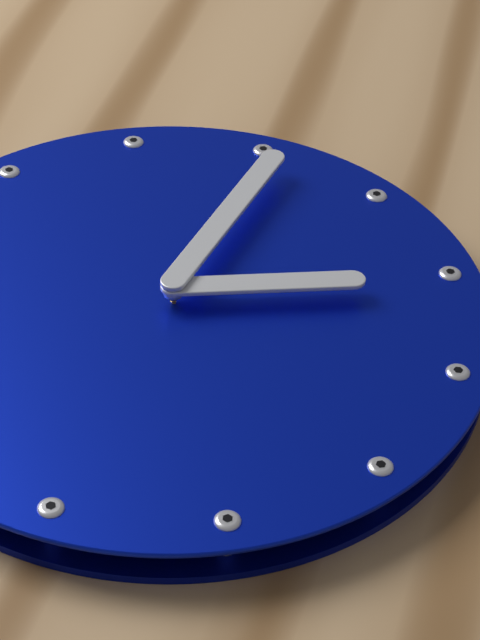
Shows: **4:11**
